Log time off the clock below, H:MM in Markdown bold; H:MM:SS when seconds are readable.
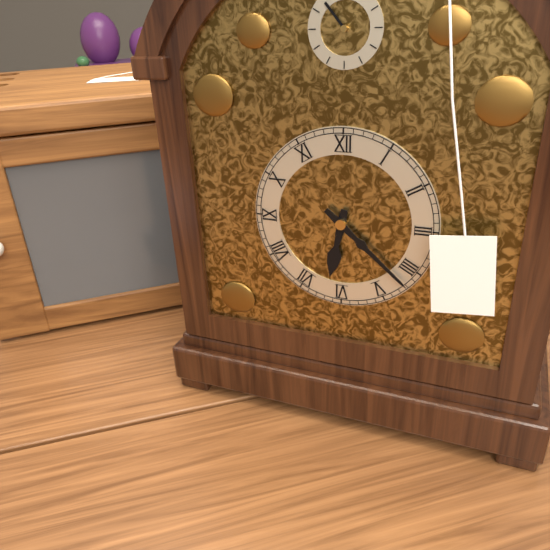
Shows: **6:22**
